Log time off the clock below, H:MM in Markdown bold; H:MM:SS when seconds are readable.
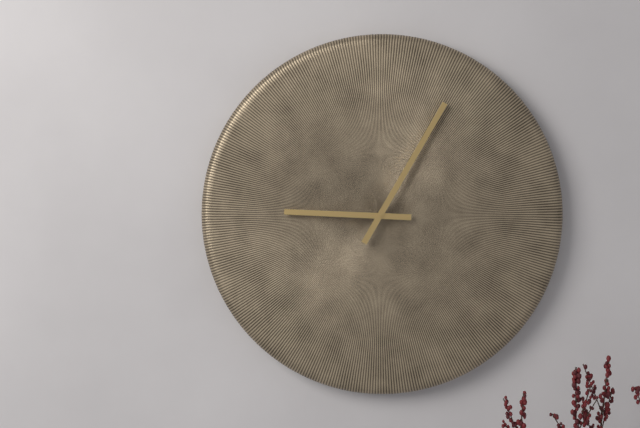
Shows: **9:05**
